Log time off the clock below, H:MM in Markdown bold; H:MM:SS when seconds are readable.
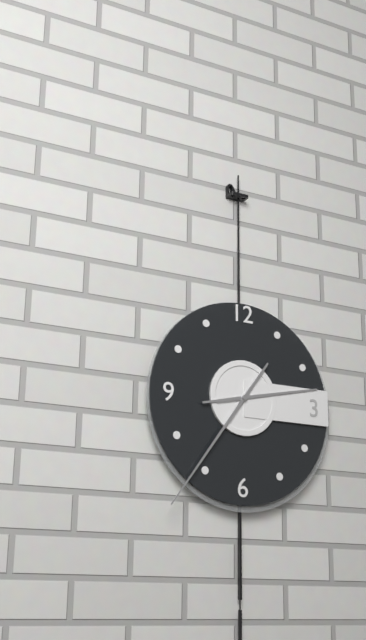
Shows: **2:36**
